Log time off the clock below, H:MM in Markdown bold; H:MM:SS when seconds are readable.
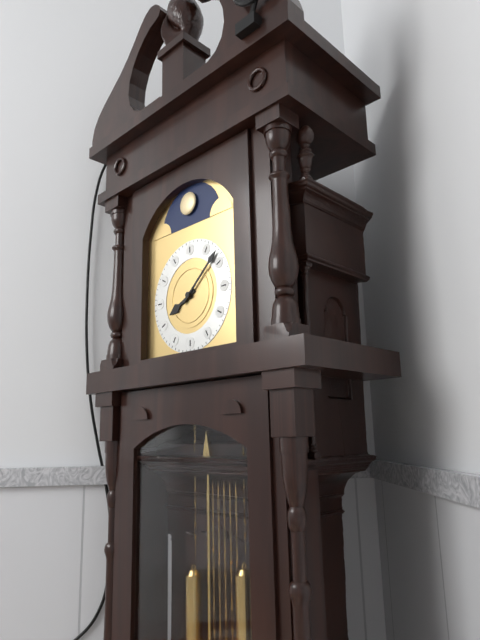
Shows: **8:08**
